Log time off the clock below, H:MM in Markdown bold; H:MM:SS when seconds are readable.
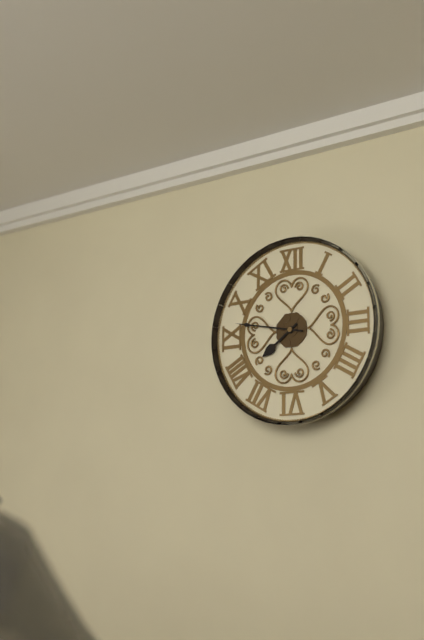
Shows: **7:47**
